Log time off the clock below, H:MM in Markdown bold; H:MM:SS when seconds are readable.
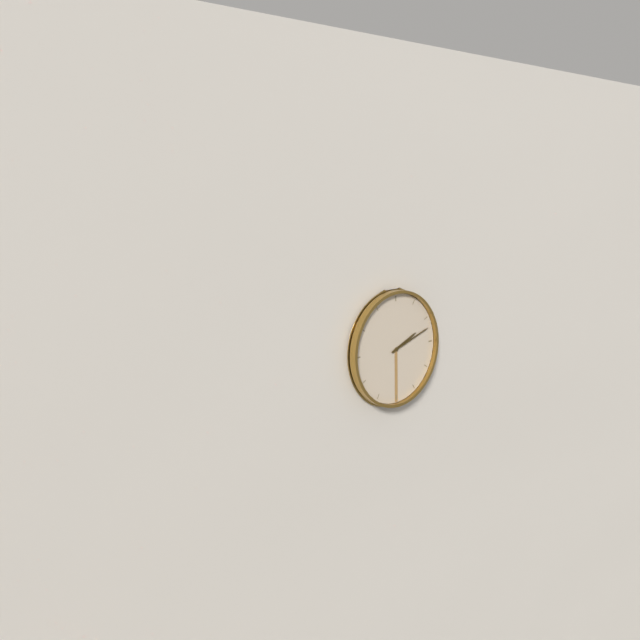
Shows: **2:12**
